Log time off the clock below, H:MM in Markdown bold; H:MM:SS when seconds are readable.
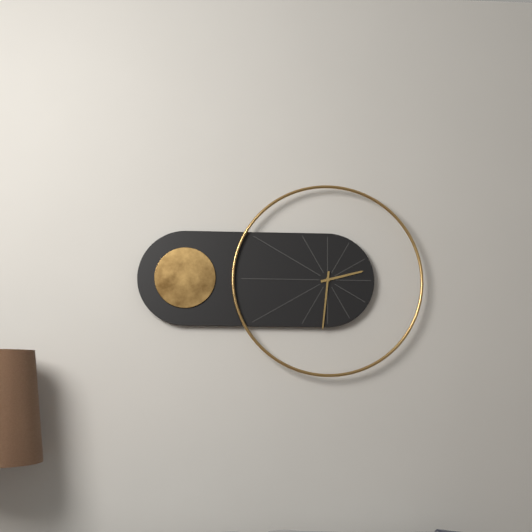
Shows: **2:31**
